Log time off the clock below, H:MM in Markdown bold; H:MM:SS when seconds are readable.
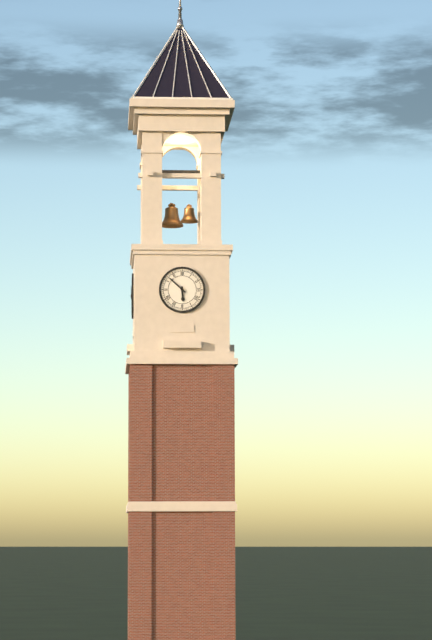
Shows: **5:52**
